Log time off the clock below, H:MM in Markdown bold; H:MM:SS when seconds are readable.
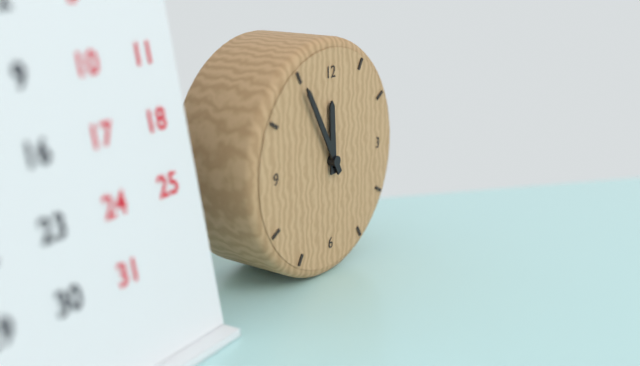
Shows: **11:55**
